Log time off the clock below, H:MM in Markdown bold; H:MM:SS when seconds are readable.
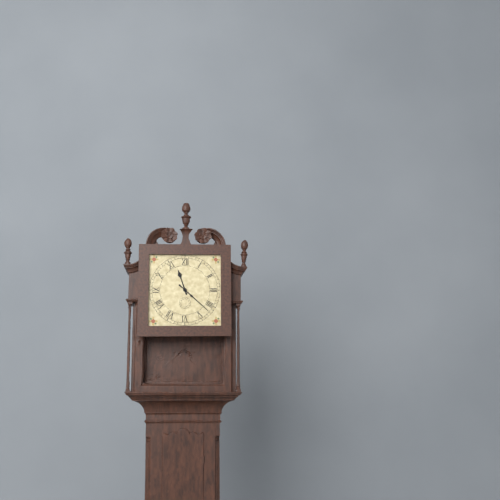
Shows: **11:22**
